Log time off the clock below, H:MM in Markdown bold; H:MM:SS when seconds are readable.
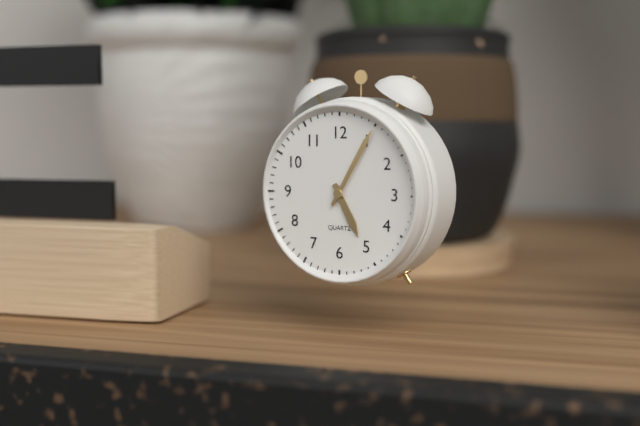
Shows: **5:05**
